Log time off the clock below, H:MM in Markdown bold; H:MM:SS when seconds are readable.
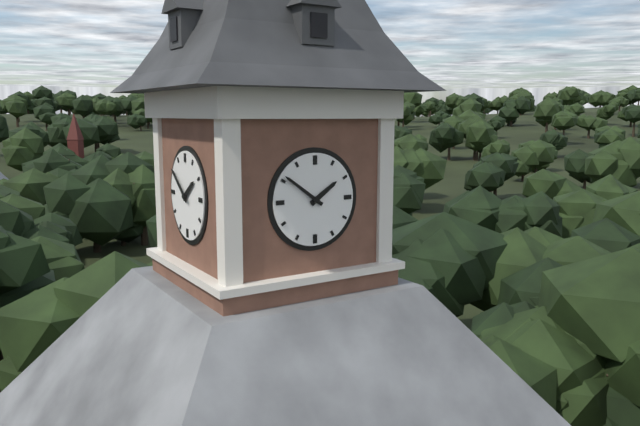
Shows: **1:51**
